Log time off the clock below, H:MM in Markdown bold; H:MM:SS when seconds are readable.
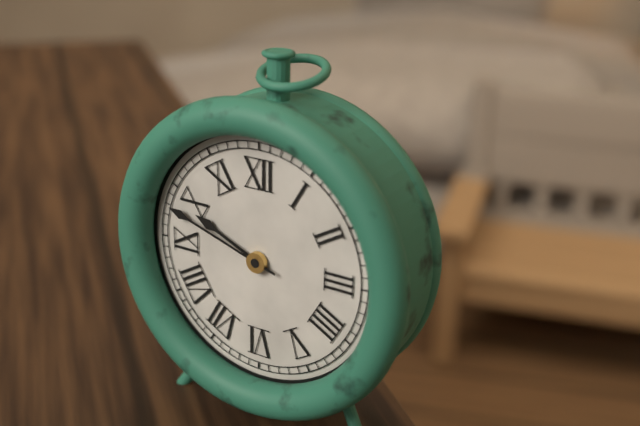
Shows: **9:48**
